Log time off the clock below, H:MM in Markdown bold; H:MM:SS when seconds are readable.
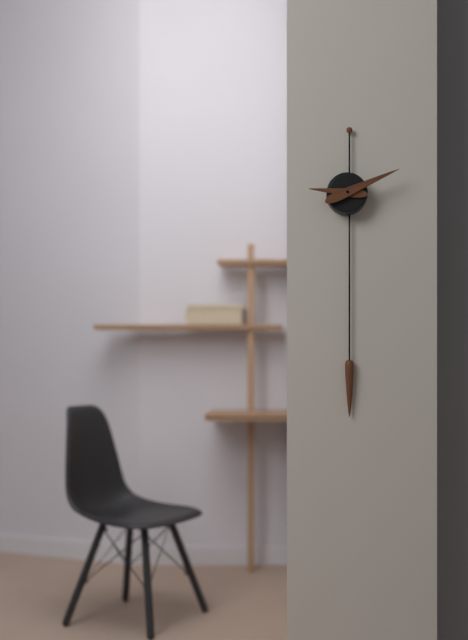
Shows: **9:11**
